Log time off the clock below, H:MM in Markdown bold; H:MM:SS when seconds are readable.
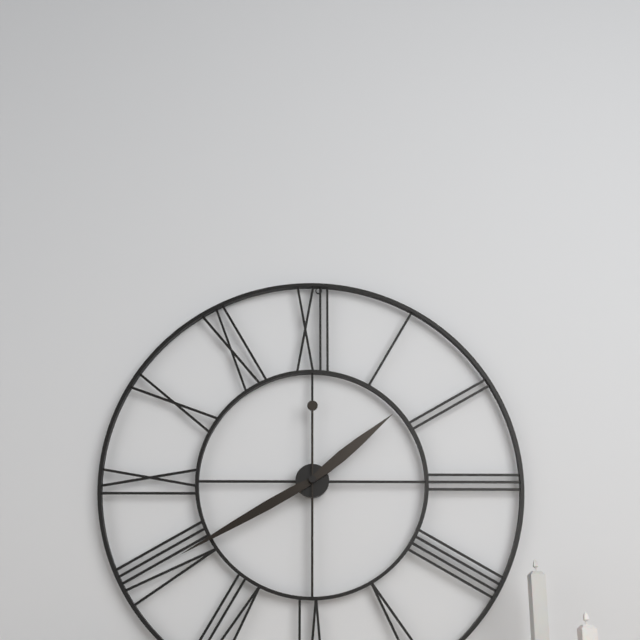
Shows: **1:40:30**
